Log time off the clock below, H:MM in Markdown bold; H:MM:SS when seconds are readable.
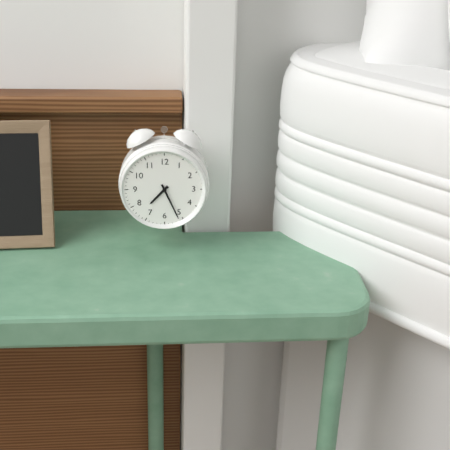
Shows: **7:26**
